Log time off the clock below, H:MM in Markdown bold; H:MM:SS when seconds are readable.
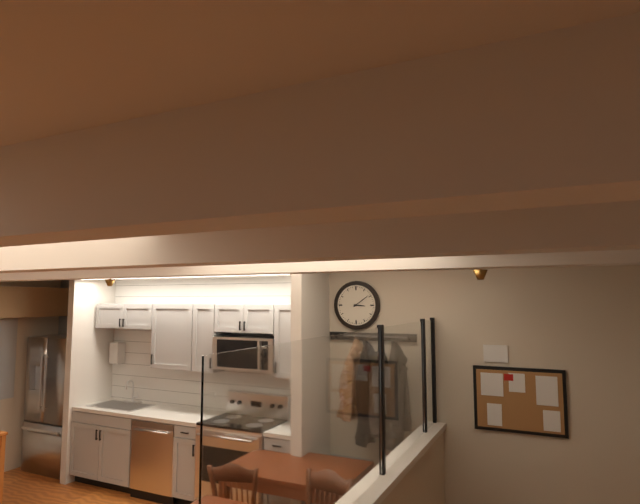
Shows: **3:09**
